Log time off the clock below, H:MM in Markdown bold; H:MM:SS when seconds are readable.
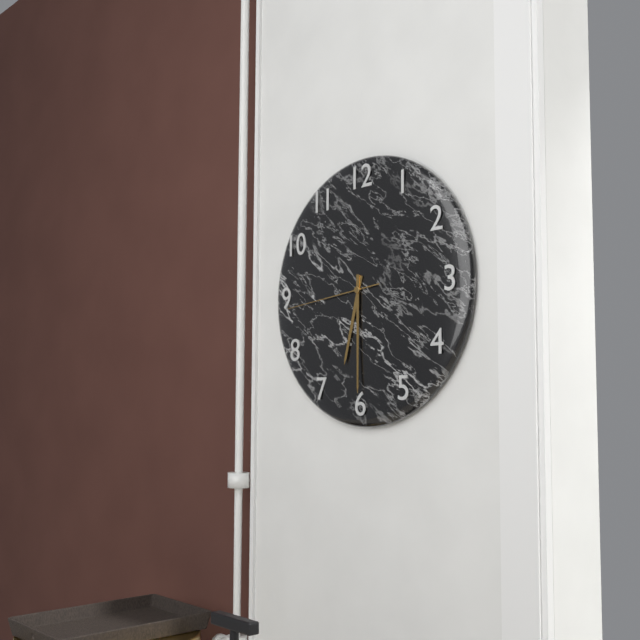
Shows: **6:30:44**
